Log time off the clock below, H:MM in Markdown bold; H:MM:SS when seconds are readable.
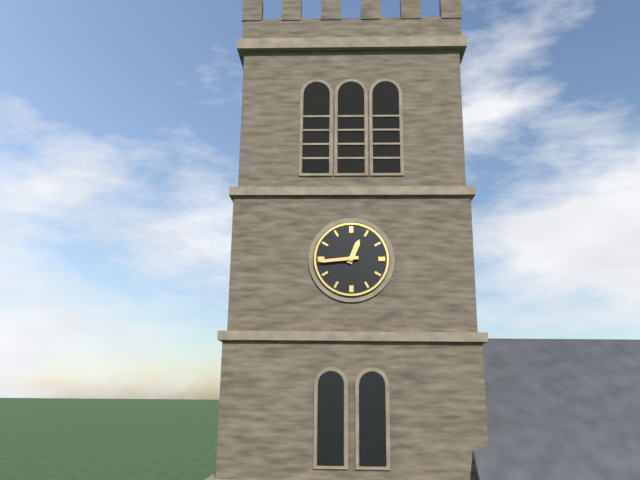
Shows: **12:44**
